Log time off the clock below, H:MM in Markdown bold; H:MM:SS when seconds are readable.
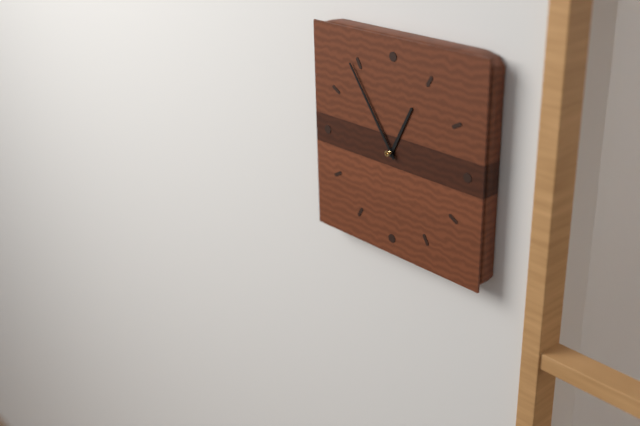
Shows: **12:54**
